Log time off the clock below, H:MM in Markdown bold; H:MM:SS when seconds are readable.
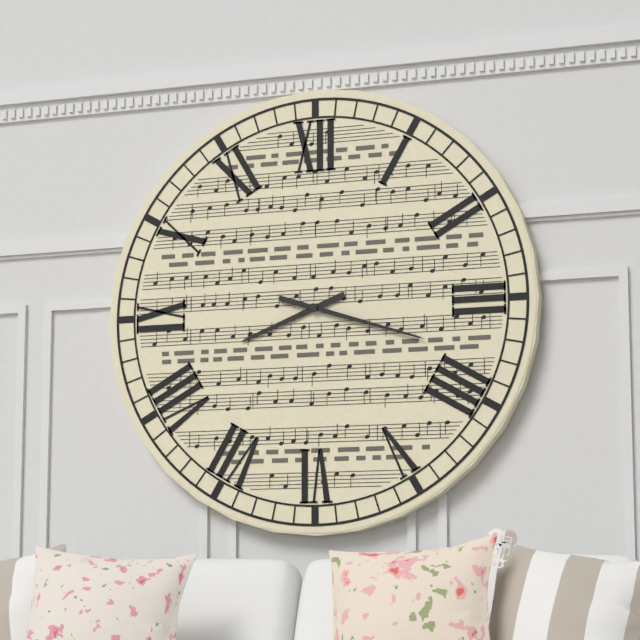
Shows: **8:18**
